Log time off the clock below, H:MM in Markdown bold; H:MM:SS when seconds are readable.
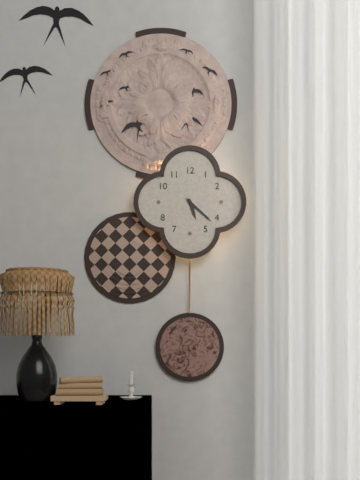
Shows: **5:22**
